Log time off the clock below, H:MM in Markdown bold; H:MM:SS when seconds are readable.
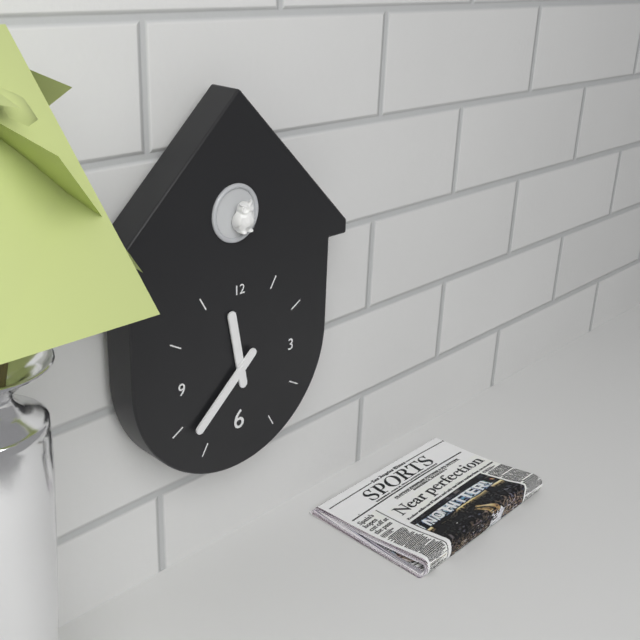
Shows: **11:38**
